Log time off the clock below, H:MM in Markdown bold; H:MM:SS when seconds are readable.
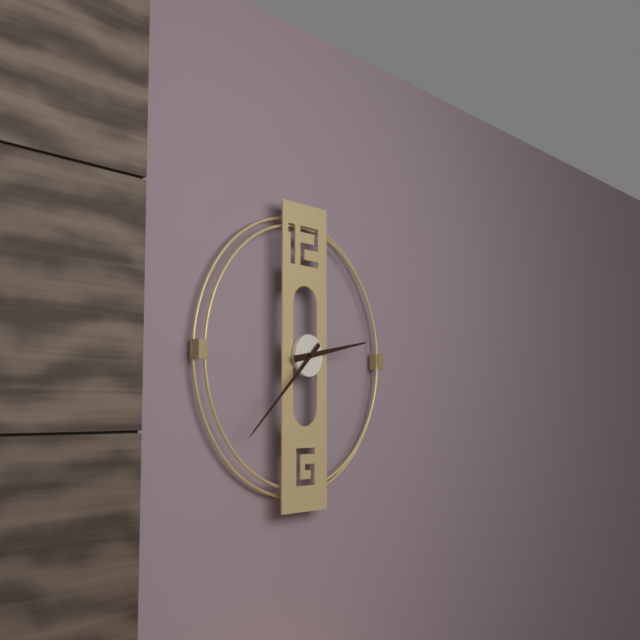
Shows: **2:38**
